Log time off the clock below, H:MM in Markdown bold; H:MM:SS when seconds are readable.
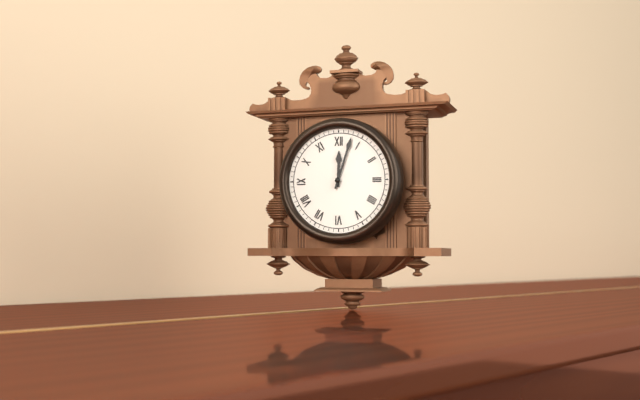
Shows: **12:03**
